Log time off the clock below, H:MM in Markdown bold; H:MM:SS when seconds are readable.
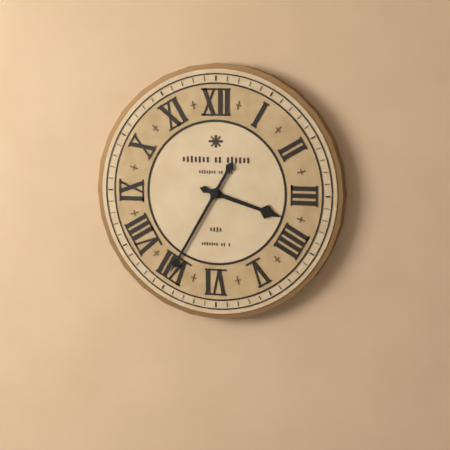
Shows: **3:35**
